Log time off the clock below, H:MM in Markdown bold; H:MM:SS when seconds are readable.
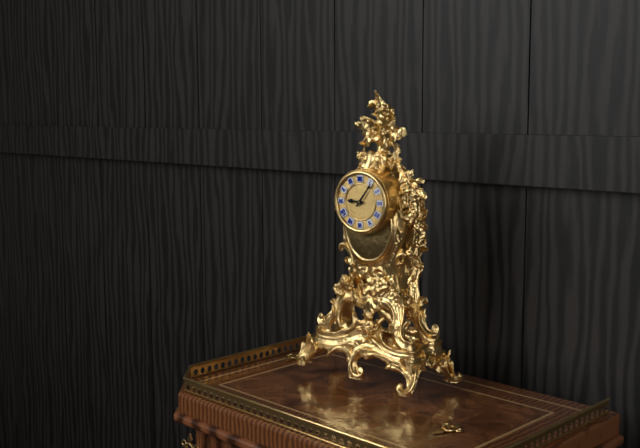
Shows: **9:06**
